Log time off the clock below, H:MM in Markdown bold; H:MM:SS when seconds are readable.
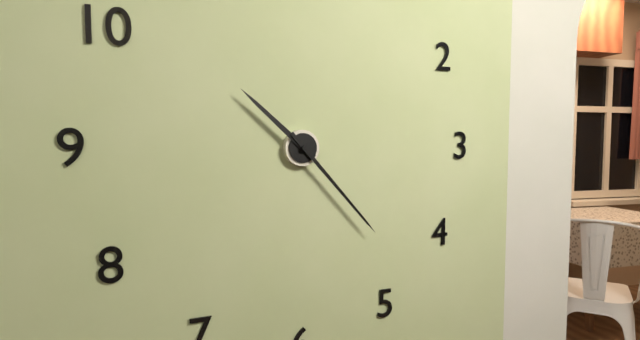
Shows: **10:23**
